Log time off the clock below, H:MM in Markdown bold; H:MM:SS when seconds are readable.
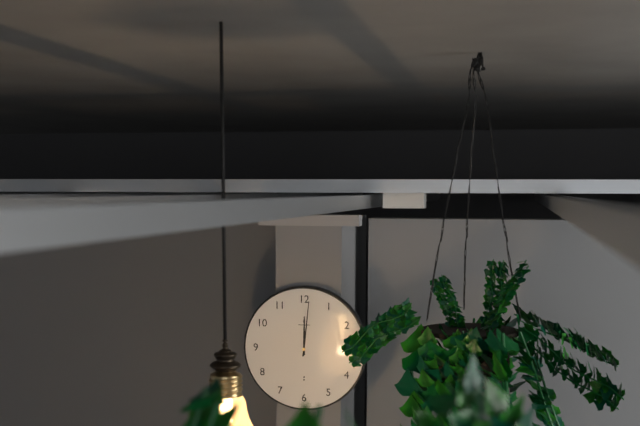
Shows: **12:01**
